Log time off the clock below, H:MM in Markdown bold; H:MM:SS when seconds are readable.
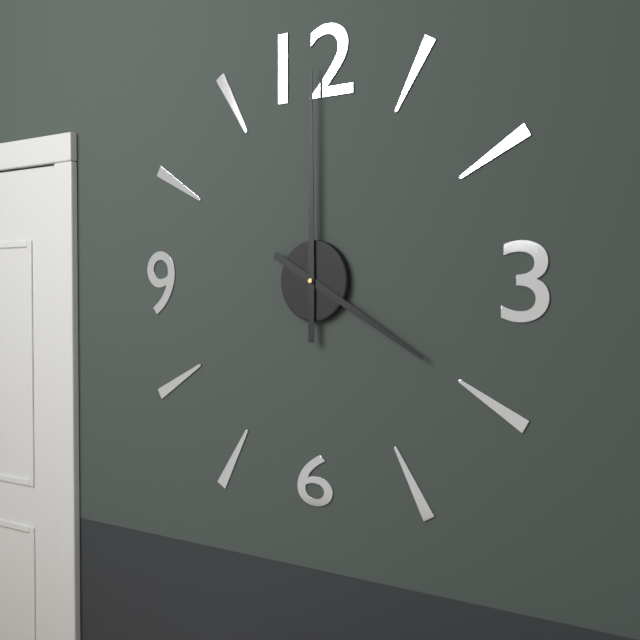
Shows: **4:00**
